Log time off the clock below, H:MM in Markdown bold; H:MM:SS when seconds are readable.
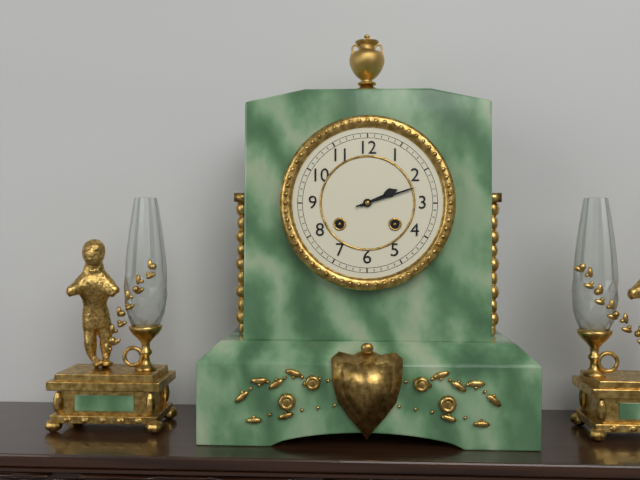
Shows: **2:12**
